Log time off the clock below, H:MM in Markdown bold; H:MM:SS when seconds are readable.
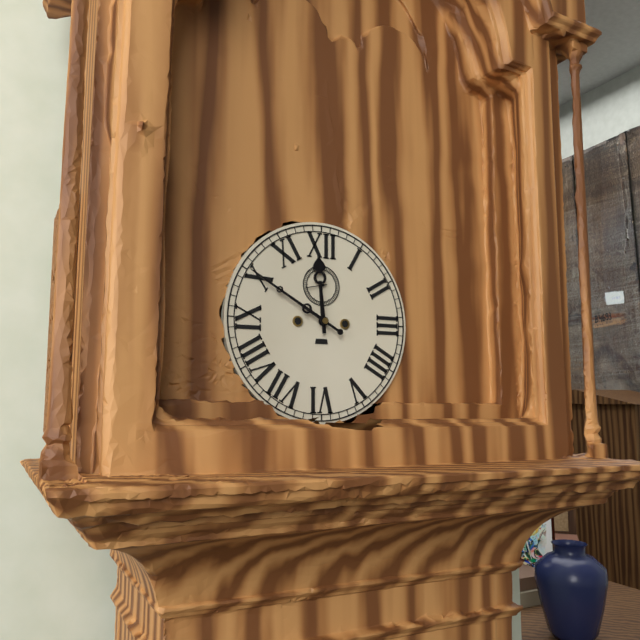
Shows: **11:50**
